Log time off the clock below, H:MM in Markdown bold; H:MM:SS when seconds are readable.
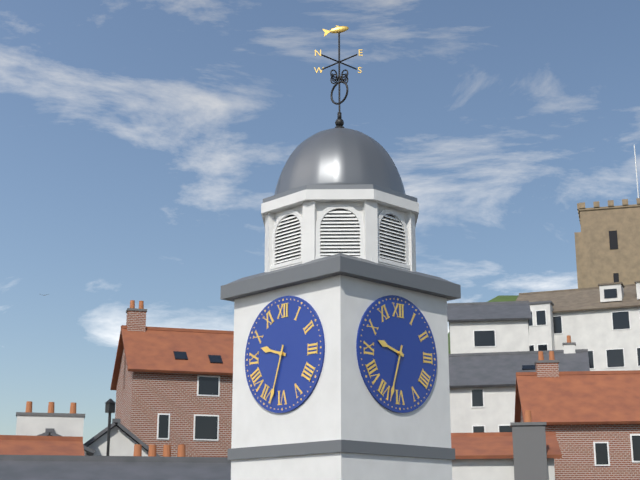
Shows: **9:33**
